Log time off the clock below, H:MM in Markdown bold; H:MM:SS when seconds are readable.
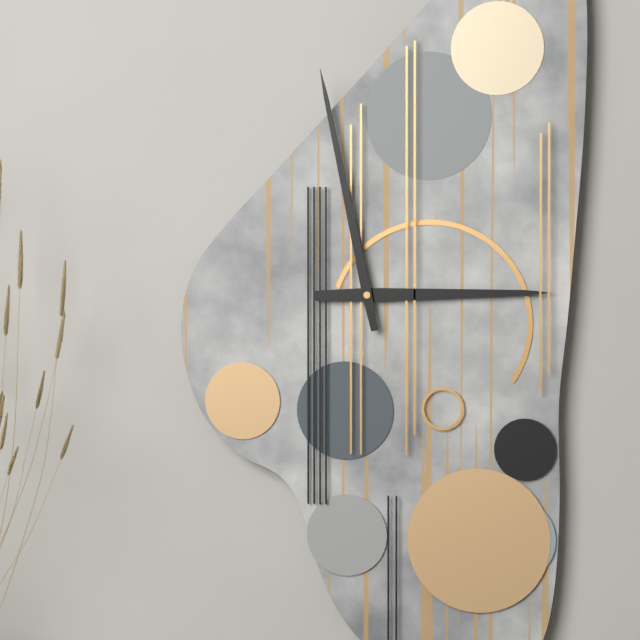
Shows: **2:58**
